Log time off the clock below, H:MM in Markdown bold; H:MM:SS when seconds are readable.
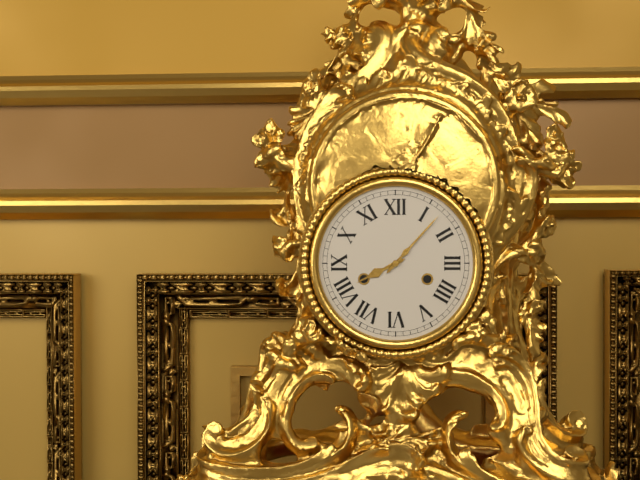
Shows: **8:07**
